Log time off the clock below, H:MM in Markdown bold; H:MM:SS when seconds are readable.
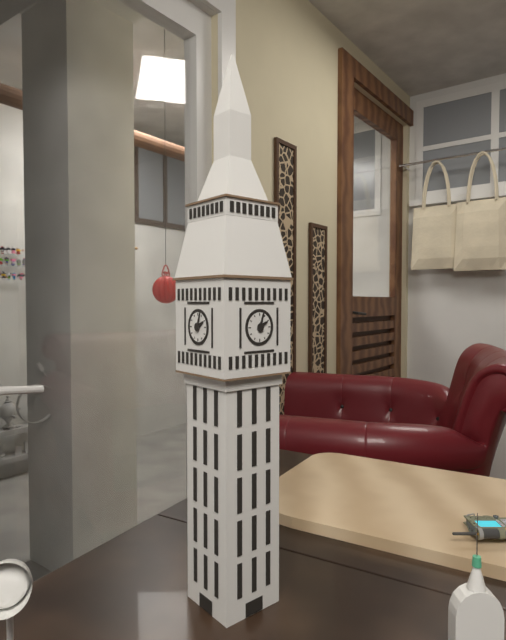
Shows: **2:03**
